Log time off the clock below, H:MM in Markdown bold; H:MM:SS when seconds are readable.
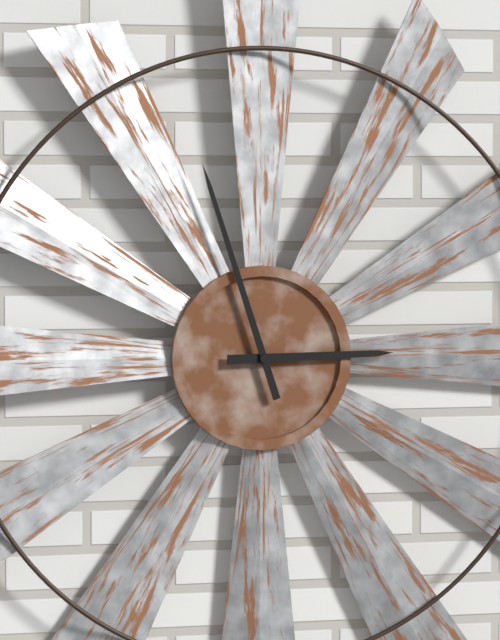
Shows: **2:57**
